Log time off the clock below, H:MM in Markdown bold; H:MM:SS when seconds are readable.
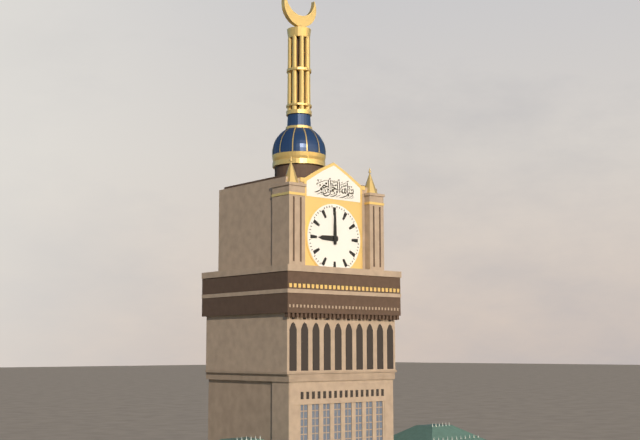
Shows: **9:00**
